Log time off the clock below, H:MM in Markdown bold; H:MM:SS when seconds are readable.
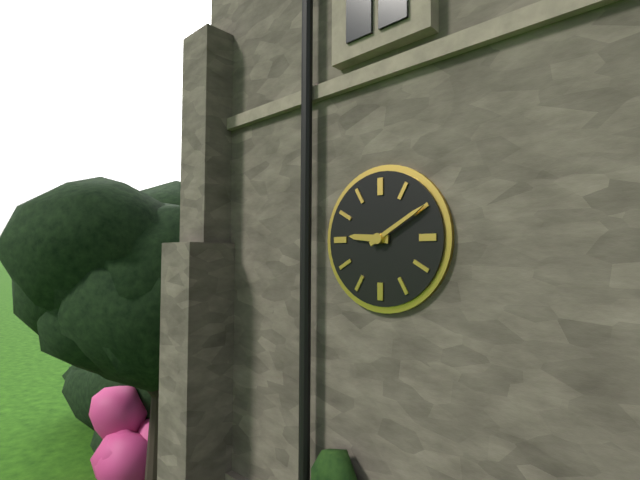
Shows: **9:10**
